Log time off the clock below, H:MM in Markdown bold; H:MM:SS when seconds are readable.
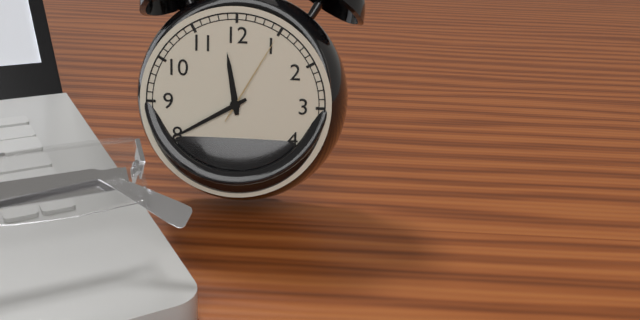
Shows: **11:40:05**
